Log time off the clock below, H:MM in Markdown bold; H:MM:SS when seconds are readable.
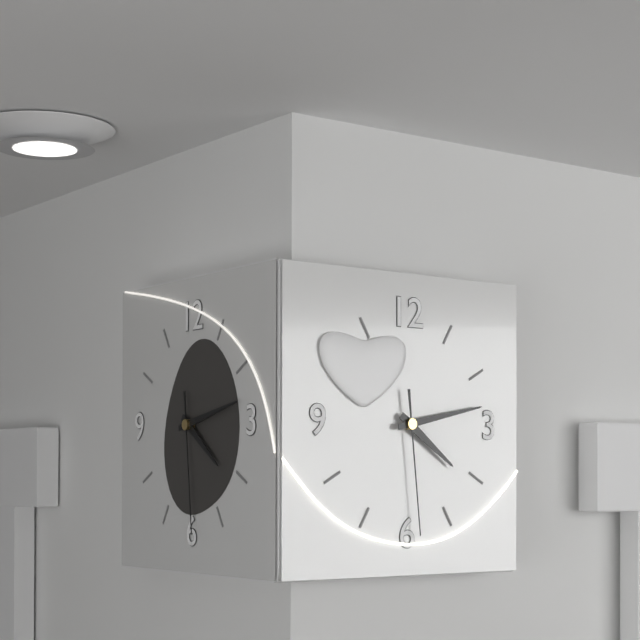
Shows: **4:13:29**
